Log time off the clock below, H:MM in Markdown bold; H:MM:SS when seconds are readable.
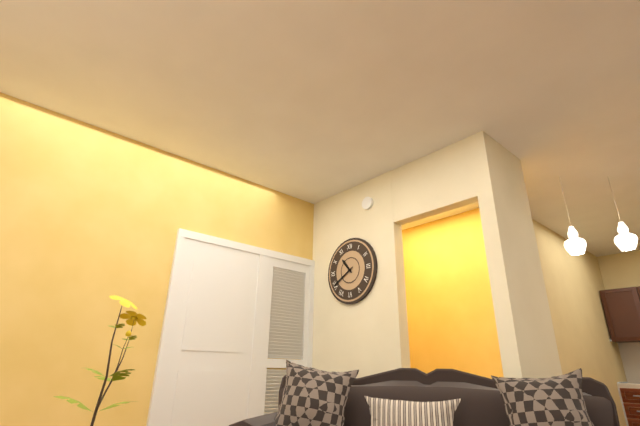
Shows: **10:40**
